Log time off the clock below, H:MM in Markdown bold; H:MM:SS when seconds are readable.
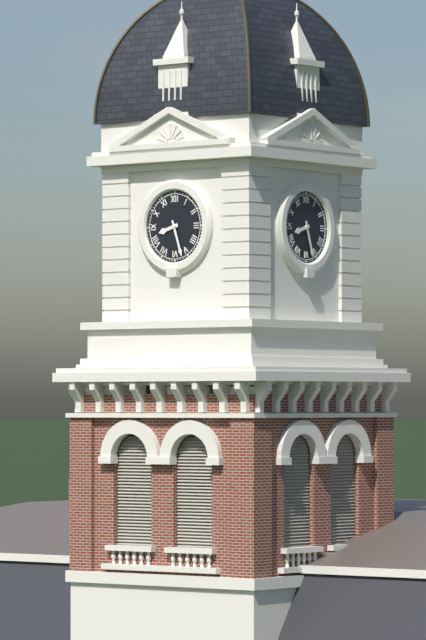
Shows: **8:27**
